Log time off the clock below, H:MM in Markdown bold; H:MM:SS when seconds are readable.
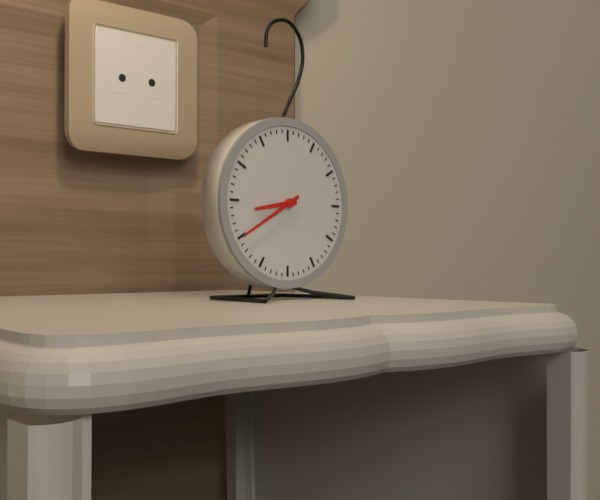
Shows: **8:40**
